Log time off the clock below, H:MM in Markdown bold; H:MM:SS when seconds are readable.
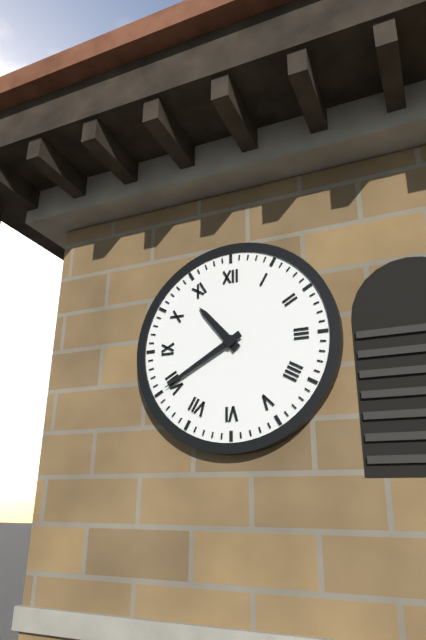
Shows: **10:40**
